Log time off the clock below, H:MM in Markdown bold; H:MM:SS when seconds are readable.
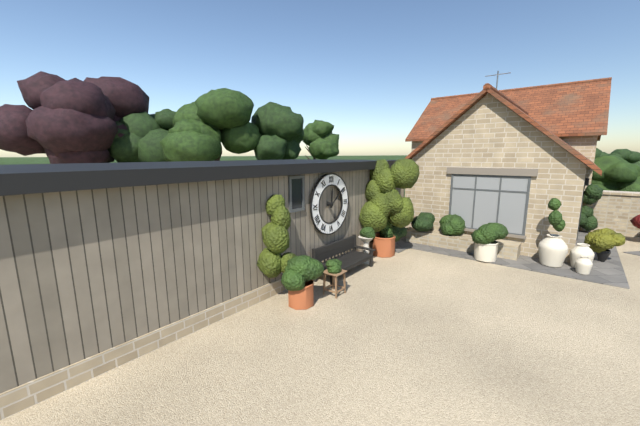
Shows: **12:09**
